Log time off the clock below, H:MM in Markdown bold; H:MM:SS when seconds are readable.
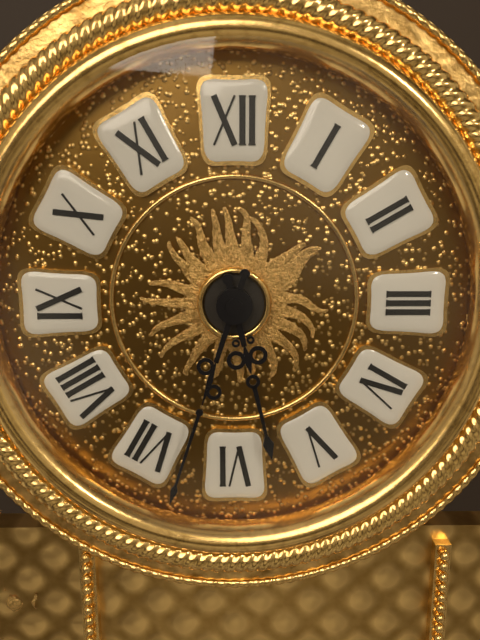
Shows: **5:33**
